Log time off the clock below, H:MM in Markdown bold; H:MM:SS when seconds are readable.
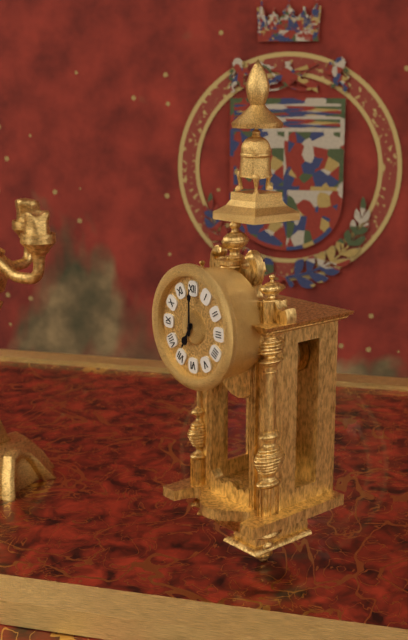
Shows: **7:00**
